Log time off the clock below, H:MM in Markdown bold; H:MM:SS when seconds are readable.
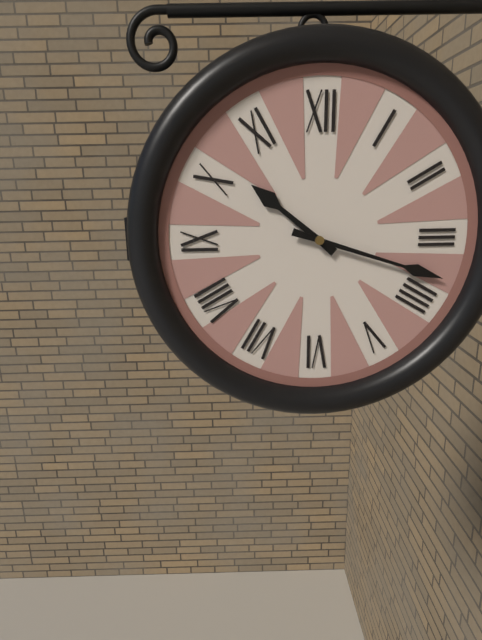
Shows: **10:18**
